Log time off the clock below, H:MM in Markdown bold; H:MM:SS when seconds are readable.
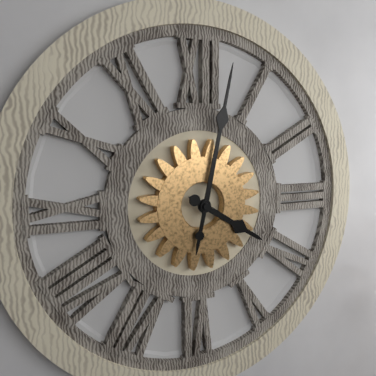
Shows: **4:02**
